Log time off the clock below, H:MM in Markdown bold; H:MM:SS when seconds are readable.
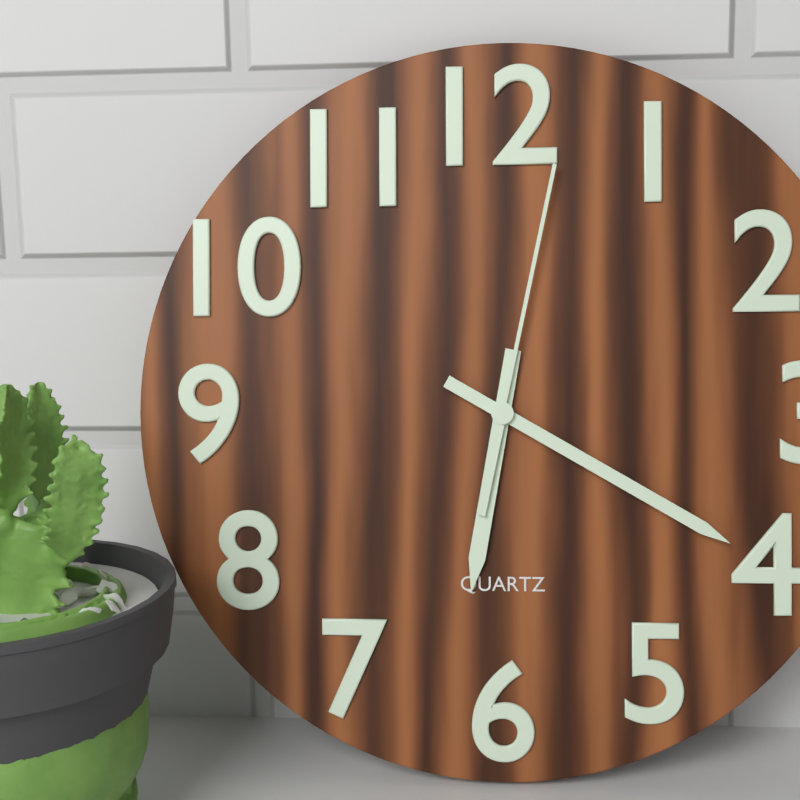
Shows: **6:20:02**
